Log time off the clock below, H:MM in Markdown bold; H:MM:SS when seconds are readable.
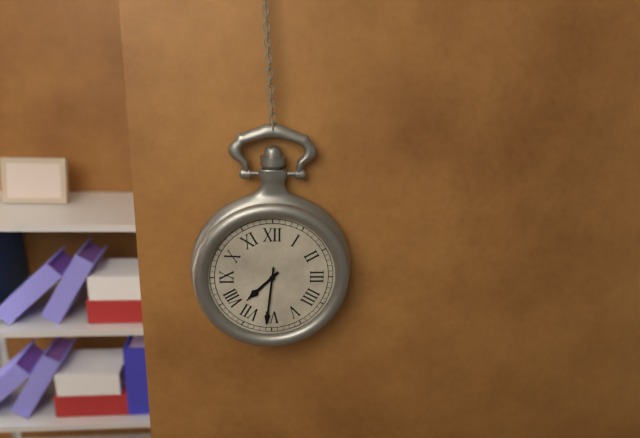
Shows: **7:31**
